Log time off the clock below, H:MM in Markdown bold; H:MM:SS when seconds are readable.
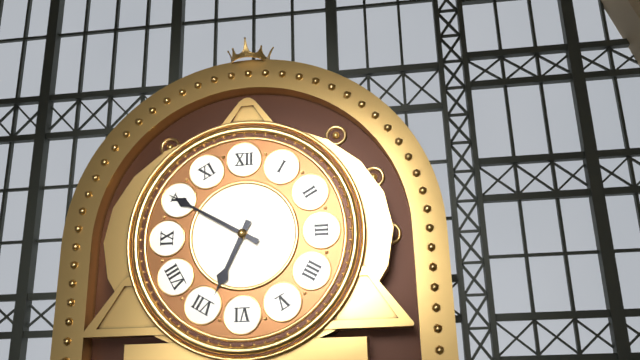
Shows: **6:50**
